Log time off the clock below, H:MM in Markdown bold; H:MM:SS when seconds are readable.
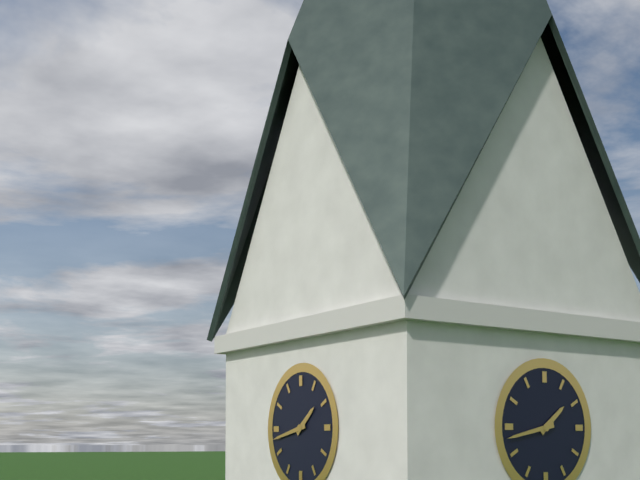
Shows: **1:43**
